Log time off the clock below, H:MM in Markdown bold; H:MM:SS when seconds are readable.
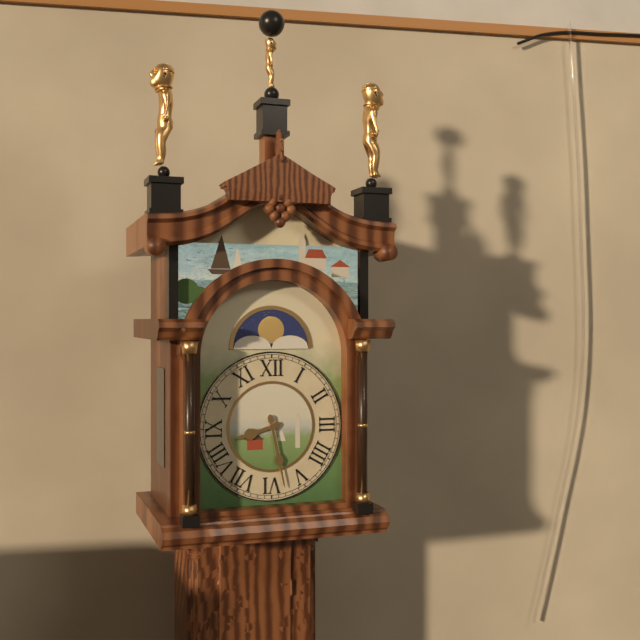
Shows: **8:28**
